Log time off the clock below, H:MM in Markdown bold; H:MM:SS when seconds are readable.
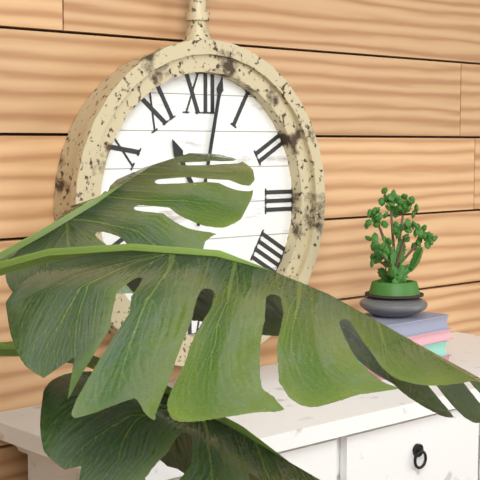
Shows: **11:02**
